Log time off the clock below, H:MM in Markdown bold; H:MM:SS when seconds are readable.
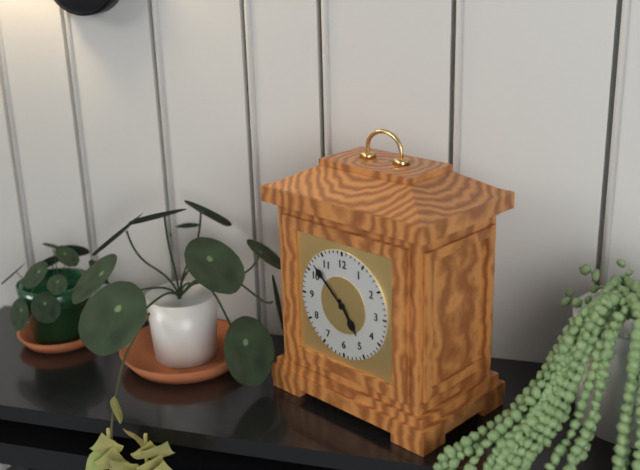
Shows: **4:52**
